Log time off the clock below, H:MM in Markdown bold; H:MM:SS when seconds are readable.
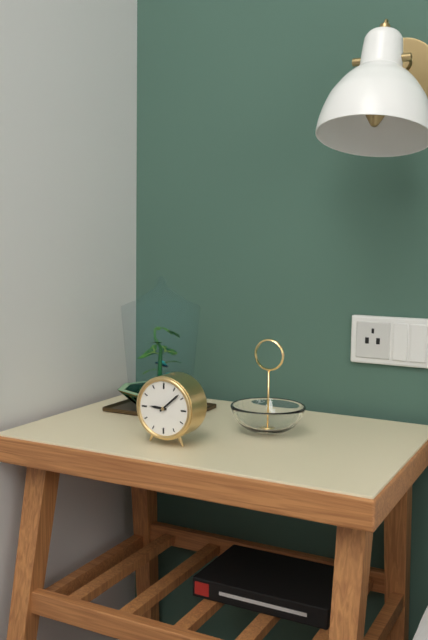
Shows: **9:08**
